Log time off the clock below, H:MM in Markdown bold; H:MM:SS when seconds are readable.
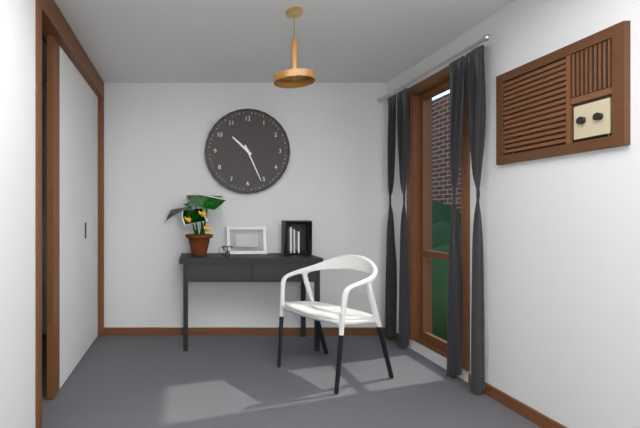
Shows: **10:26**
